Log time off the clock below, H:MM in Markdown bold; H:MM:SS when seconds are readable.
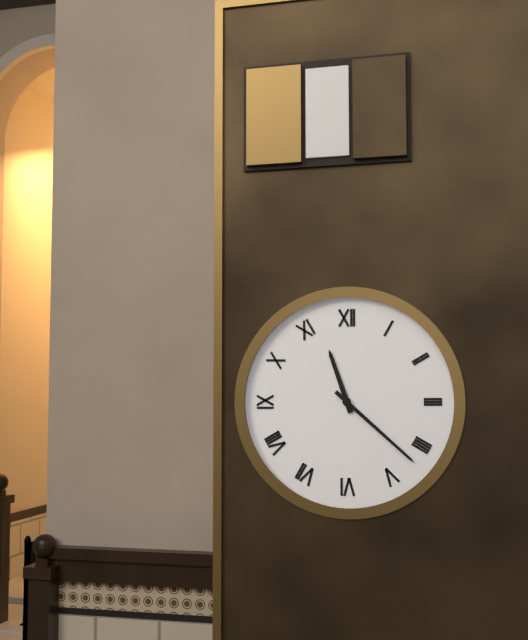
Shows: **11:22**
